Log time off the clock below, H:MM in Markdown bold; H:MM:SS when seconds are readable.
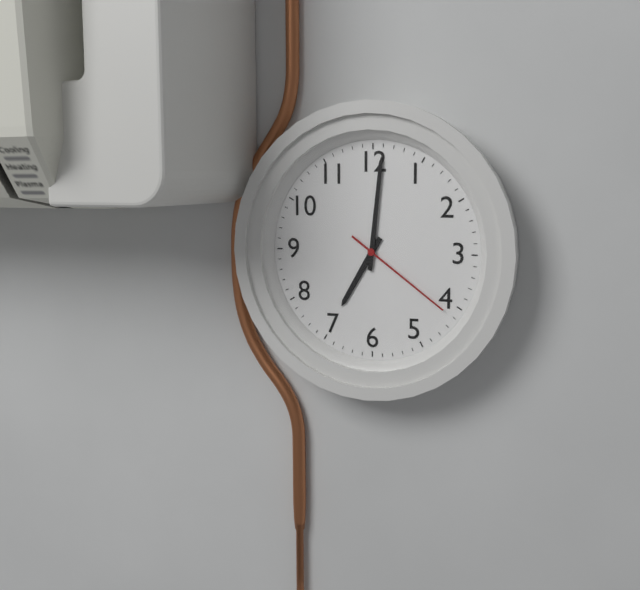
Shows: **7:01:21**
